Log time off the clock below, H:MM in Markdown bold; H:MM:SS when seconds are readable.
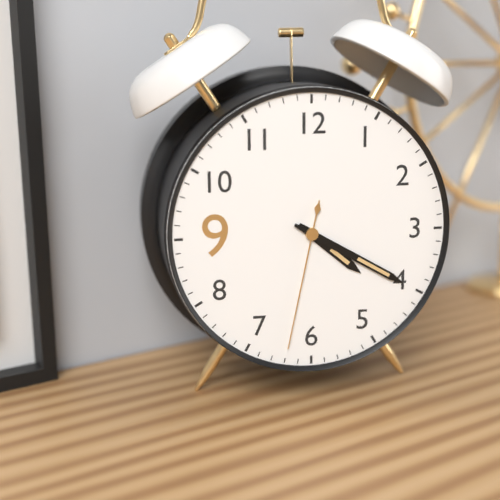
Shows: **4:20:32**
